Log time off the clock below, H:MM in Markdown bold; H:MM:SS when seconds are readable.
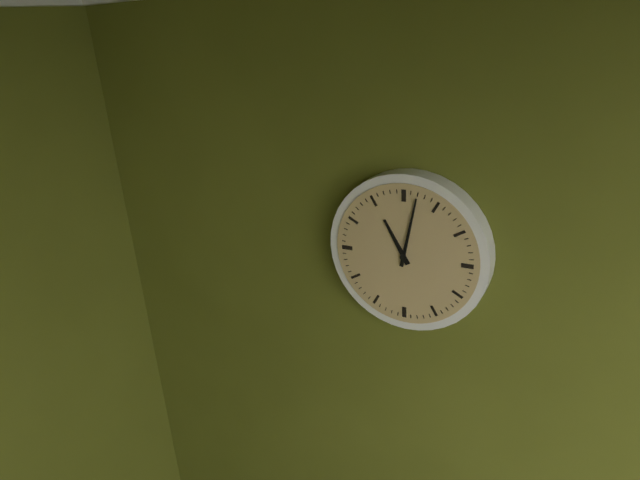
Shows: **11:02**
